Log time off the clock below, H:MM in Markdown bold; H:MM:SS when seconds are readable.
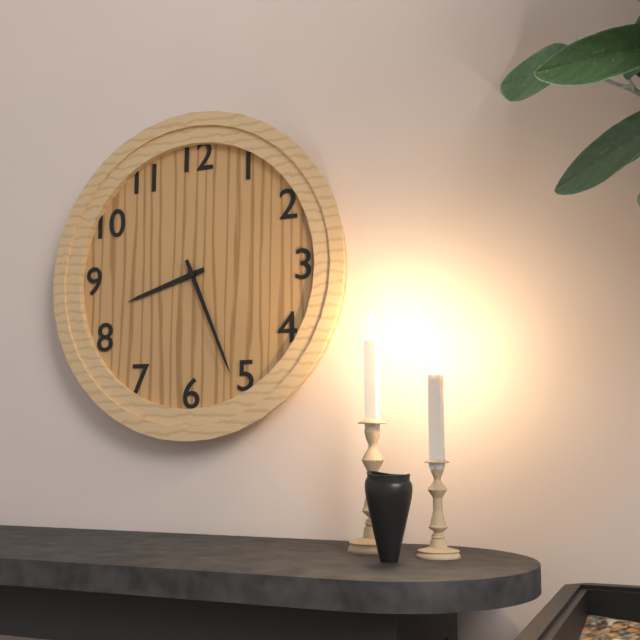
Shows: **8:26**
